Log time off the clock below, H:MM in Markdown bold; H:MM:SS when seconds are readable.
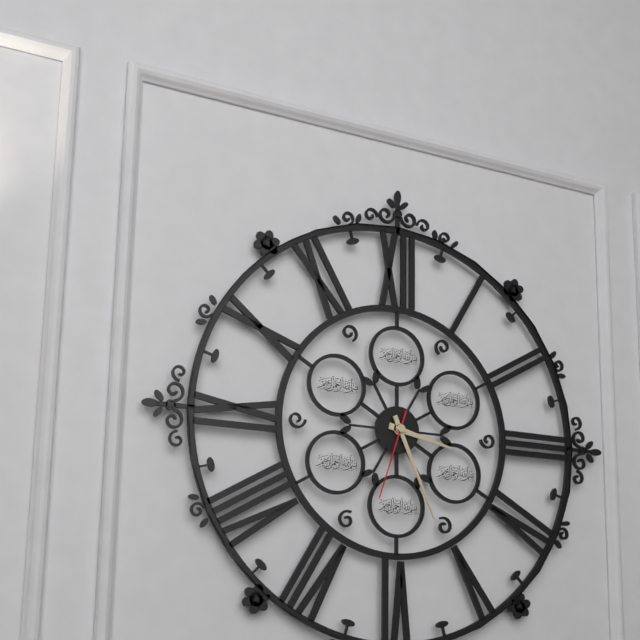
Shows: **3:26:33**
